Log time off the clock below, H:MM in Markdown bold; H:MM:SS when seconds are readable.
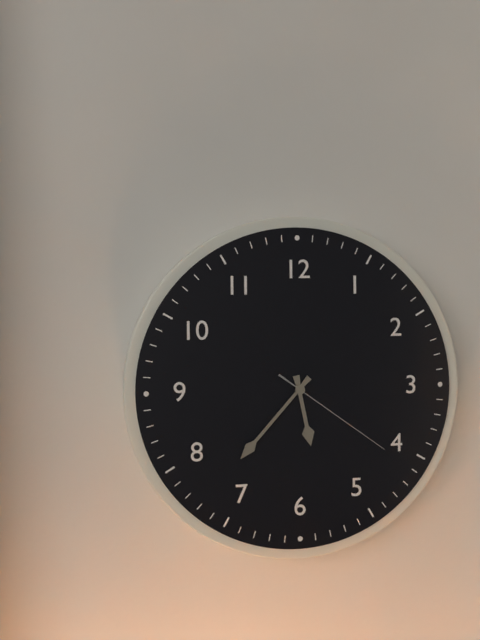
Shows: **5:37:21**
